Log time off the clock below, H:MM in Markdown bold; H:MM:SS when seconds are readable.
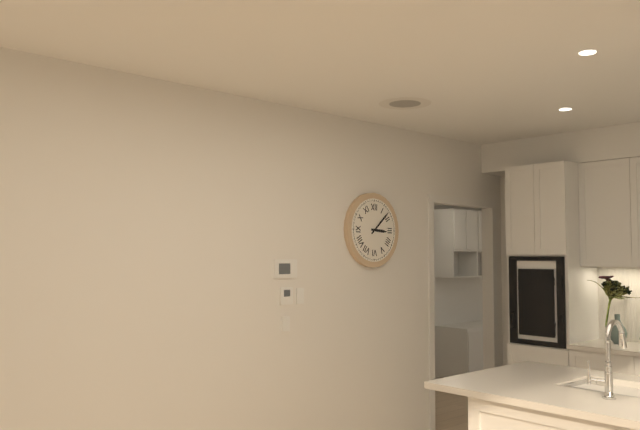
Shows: **3:08**
